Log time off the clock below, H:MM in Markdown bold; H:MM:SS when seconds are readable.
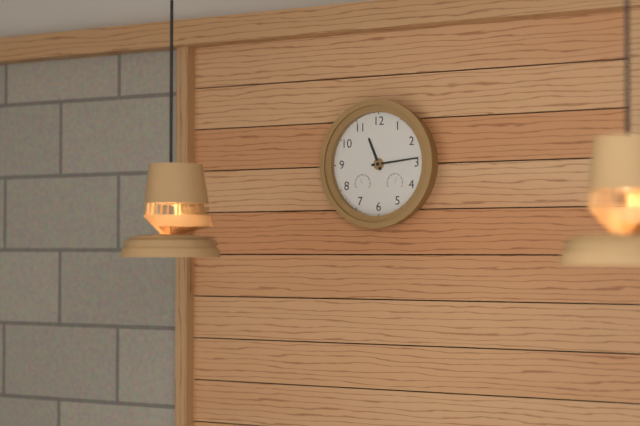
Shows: **11:14**
